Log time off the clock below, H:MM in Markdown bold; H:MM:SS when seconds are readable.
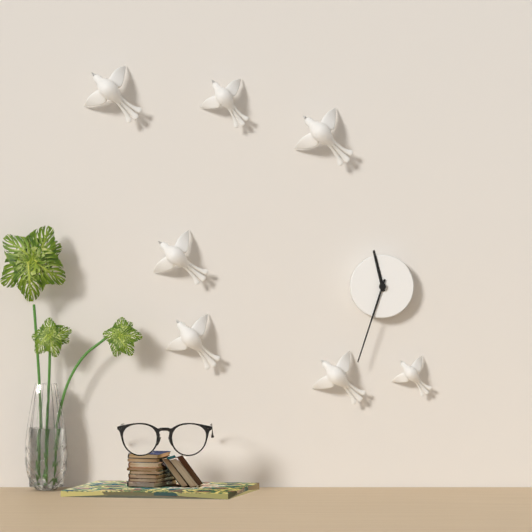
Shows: **11:33**
